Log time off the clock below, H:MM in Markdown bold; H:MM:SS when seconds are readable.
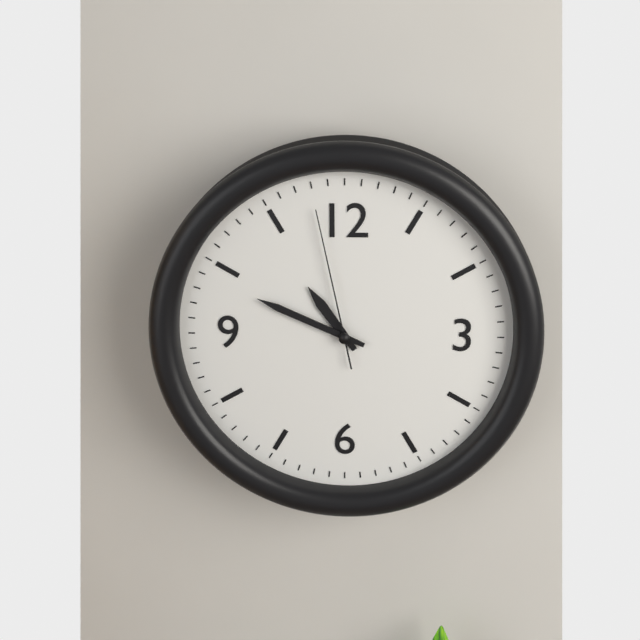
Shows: **10:49:58**
